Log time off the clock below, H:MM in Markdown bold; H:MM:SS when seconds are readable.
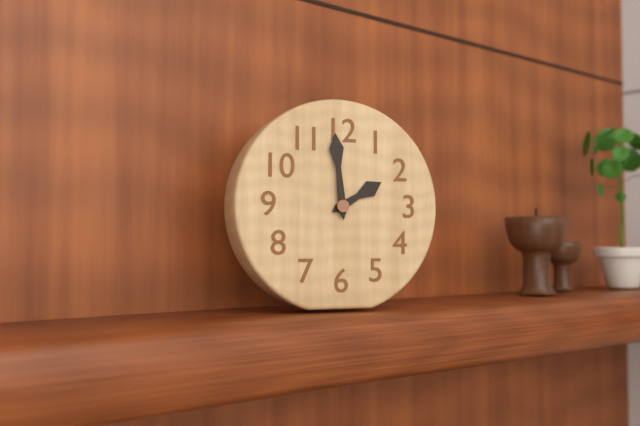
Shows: **1:59**
